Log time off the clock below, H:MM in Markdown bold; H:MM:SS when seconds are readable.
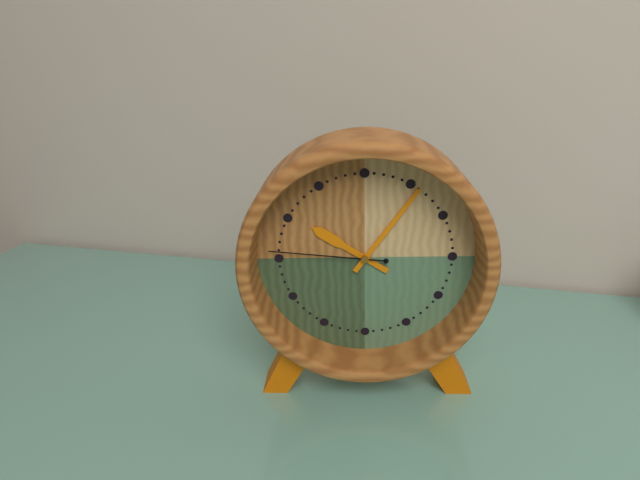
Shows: **10:06:46**
